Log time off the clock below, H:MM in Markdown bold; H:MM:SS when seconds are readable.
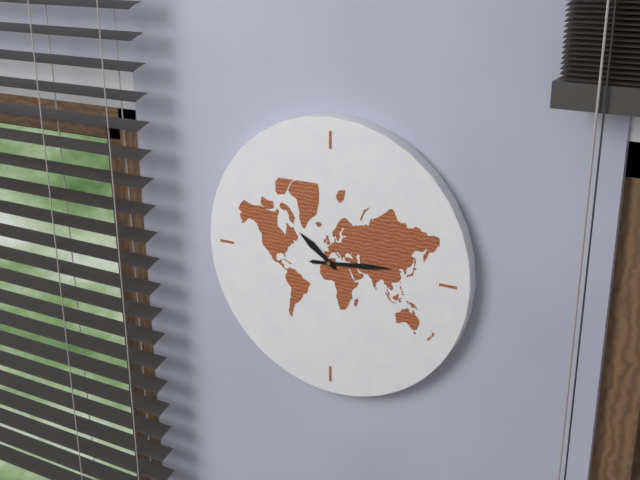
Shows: **10:14**
